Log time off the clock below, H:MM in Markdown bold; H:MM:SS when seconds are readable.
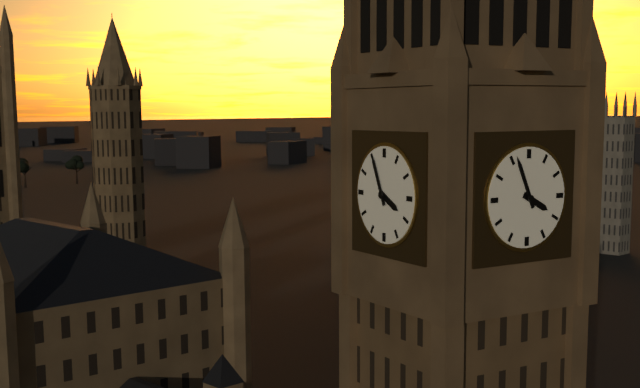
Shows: **3:56**
